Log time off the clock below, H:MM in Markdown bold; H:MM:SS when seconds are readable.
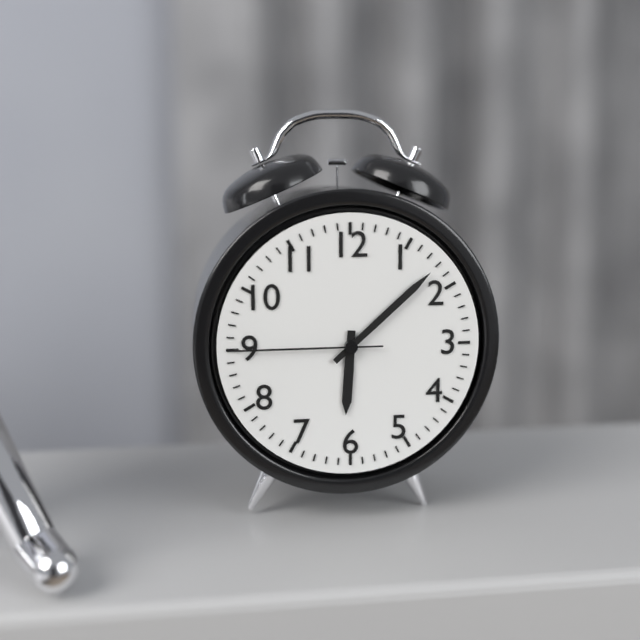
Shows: **6:08:45**
